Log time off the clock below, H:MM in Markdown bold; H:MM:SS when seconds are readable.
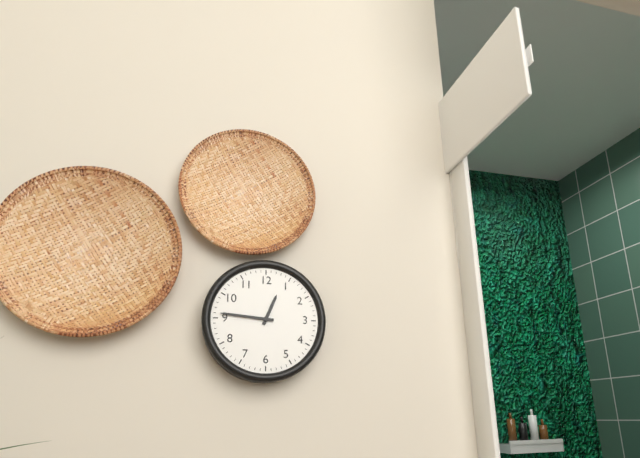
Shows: **12:46**
